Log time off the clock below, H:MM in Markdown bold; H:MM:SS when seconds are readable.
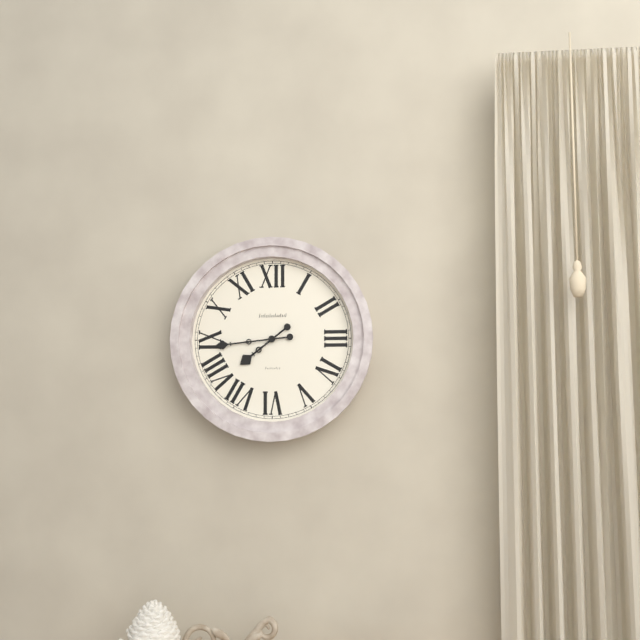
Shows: **7:44**
